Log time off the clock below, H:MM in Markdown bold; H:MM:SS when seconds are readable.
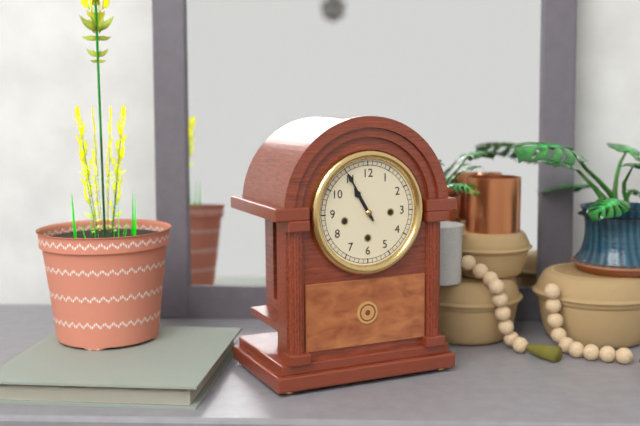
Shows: **10:55**
